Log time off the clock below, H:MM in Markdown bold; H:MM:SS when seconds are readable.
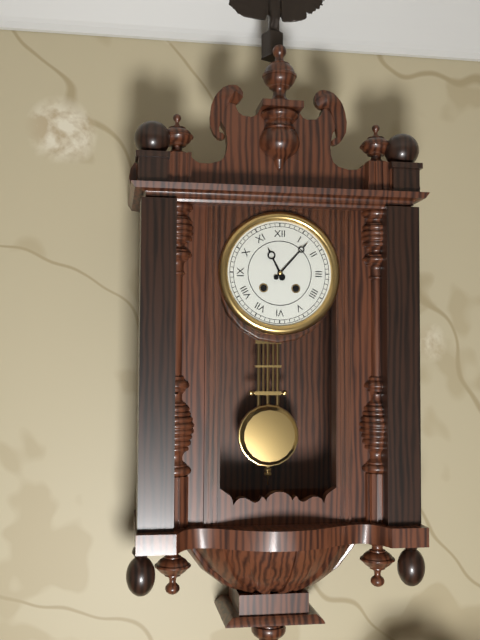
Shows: **11:07**
